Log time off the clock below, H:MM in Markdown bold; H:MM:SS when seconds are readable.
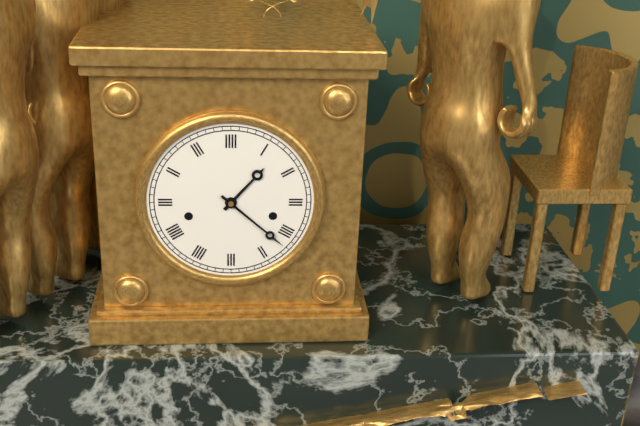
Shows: **1:22**
